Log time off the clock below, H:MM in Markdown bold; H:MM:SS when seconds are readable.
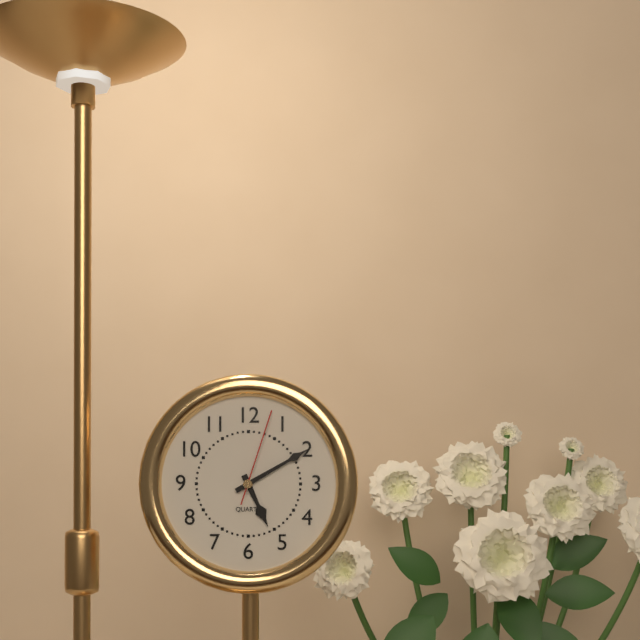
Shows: **5:10:03**
